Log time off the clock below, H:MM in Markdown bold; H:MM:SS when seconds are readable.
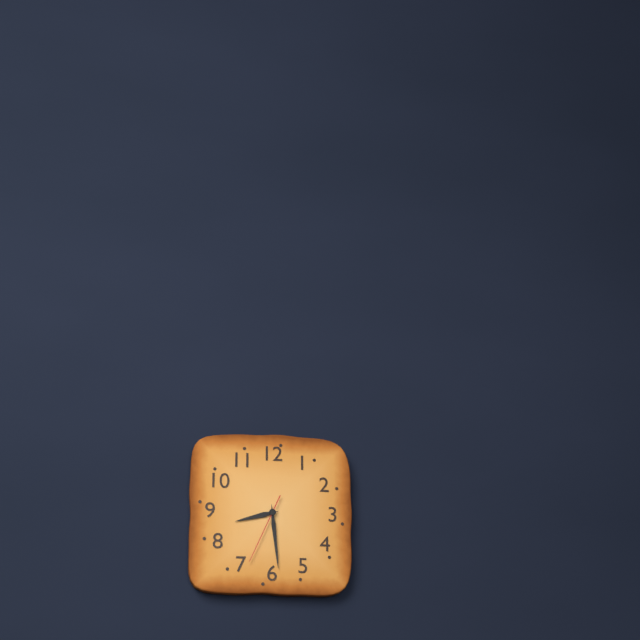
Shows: **8:29:34**
